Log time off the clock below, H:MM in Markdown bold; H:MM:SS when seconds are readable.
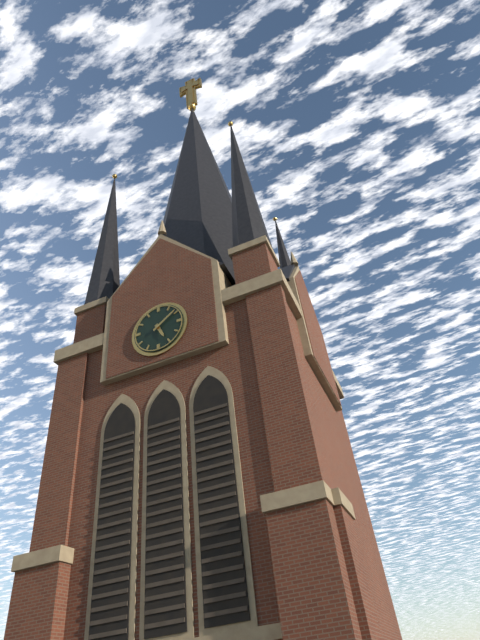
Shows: **5:09**
